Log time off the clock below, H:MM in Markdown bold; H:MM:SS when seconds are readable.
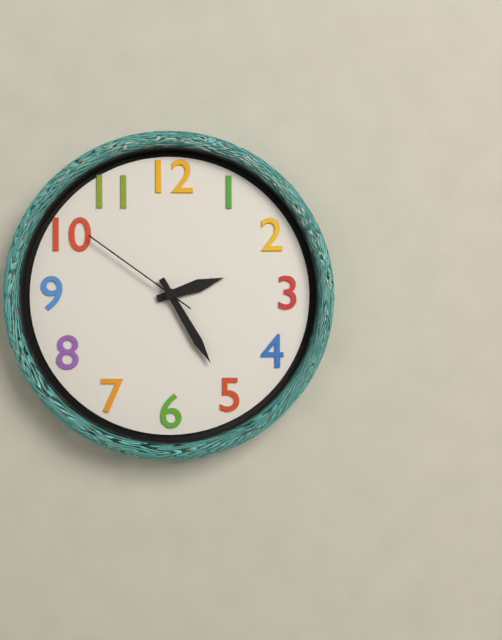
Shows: **2:25:51**
